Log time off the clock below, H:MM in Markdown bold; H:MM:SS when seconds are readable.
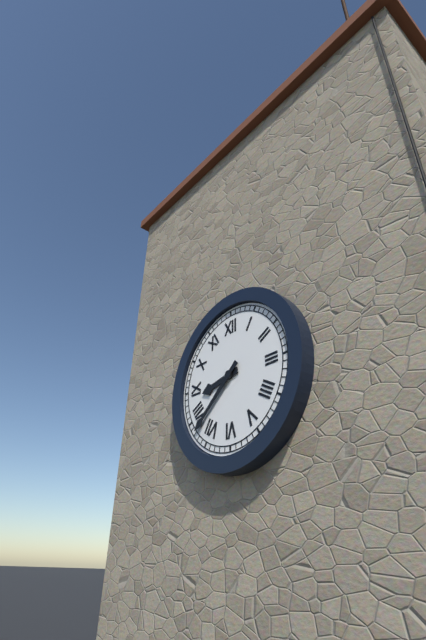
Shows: **8:38**
